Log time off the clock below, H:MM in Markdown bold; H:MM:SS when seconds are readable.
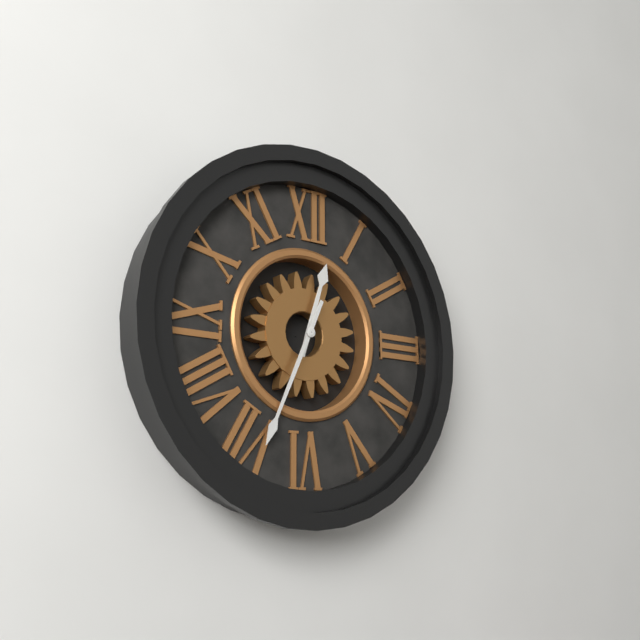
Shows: **12:34**
